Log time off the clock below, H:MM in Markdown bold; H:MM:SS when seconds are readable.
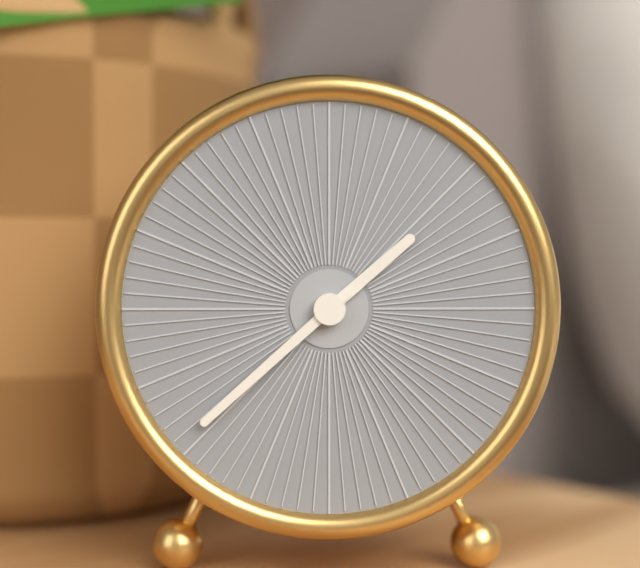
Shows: **1:38**
